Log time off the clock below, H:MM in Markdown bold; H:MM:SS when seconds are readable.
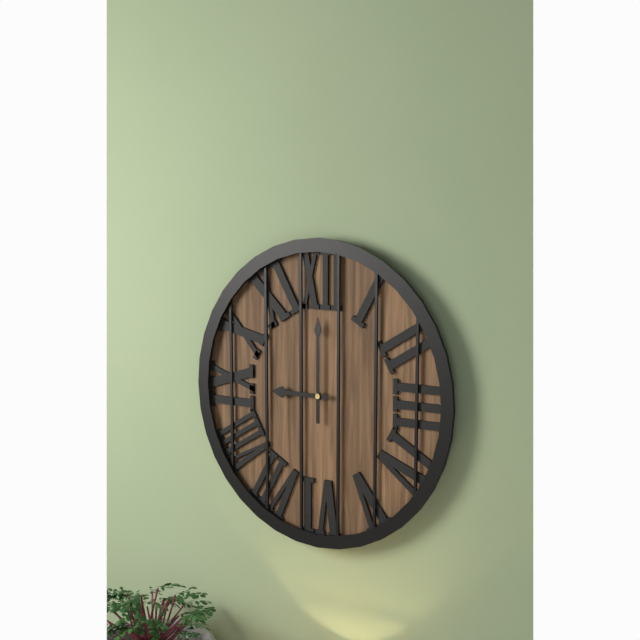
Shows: **9:00**
